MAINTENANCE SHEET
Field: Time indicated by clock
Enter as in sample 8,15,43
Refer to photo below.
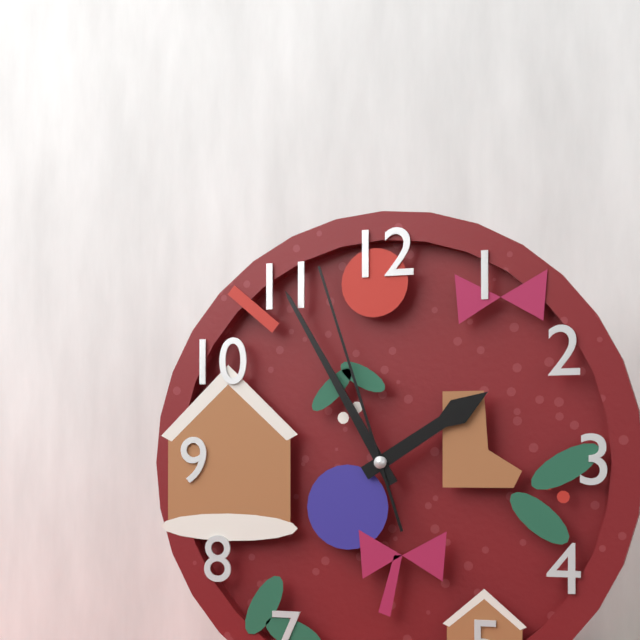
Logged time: 1,55,57
